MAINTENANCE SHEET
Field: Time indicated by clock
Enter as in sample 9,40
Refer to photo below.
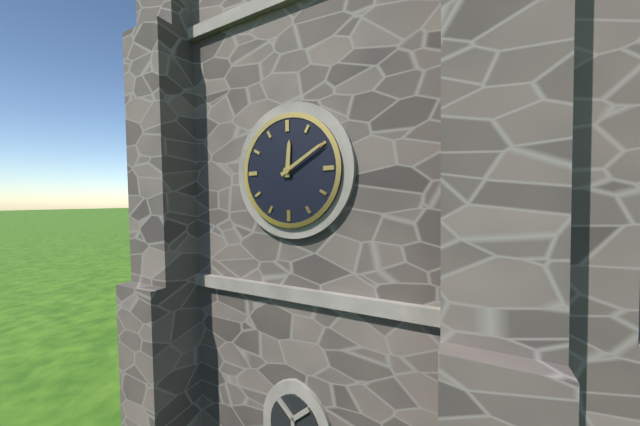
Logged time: 12,10
